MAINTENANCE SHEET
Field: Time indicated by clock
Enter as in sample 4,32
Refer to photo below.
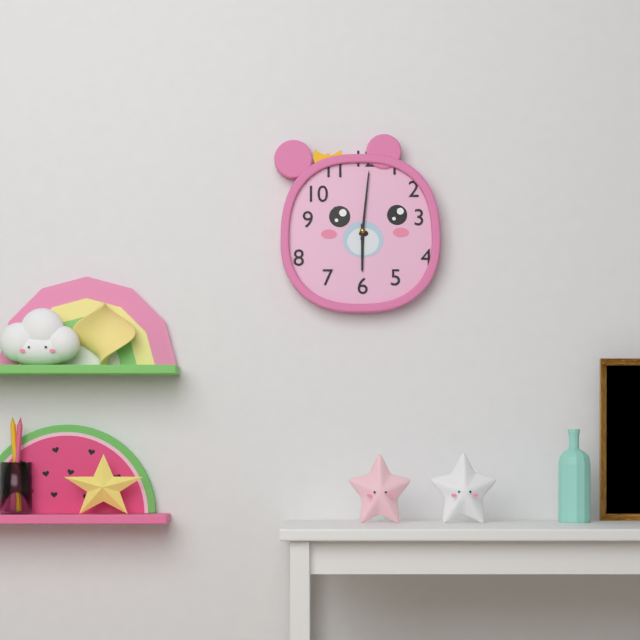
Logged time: 6,01
